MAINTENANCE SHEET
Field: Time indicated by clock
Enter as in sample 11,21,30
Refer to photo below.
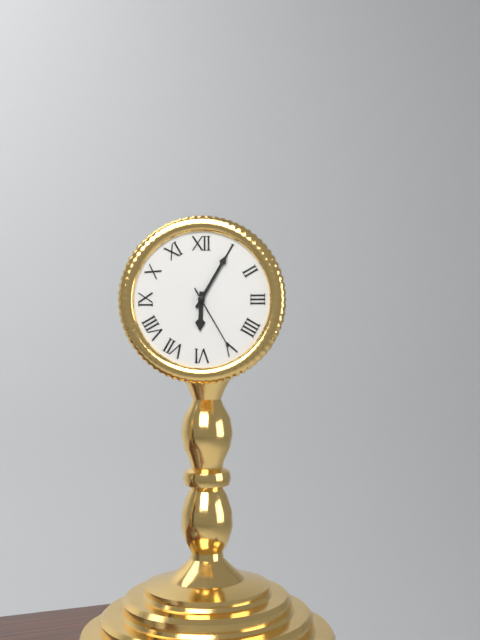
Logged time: 6,05,25
